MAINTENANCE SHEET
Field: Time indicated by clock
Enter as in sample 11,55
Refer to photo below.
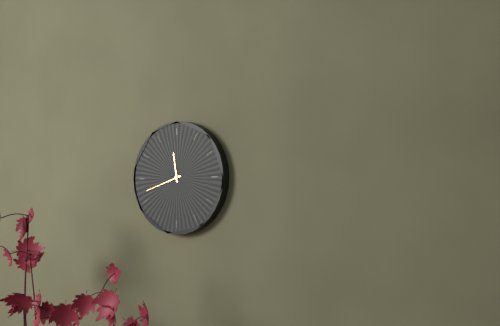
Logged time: 11,42
